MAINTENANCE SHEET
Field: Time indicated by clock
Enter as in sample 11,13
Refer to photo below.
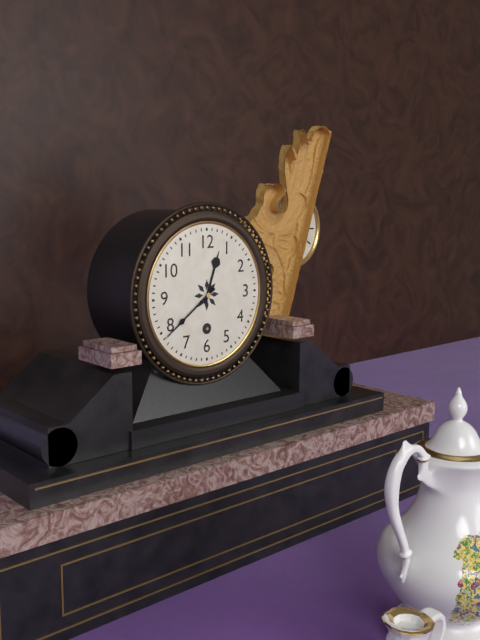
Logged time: 12,39
